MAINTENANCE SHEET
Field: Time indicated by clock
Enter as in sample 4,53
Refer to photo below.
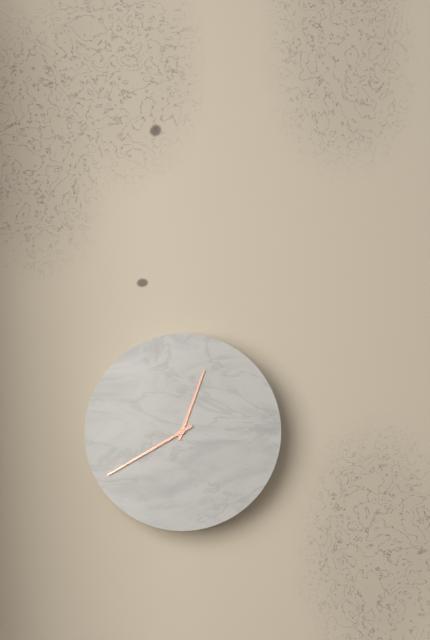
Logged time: 12,40
